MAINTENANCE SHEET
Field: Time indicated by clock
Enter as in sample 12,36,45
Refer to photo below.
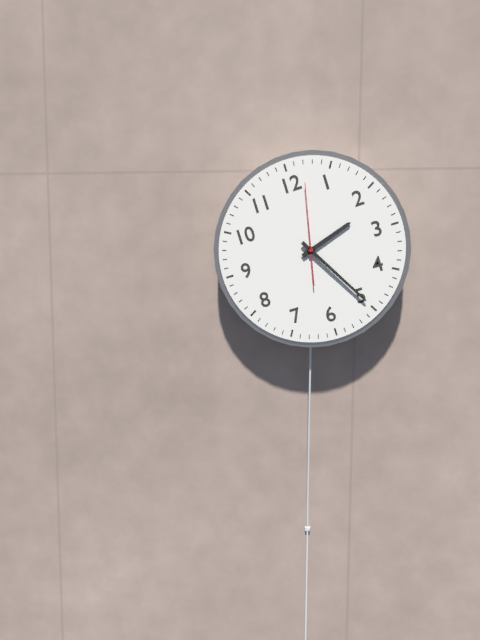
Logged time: 2,25,02
